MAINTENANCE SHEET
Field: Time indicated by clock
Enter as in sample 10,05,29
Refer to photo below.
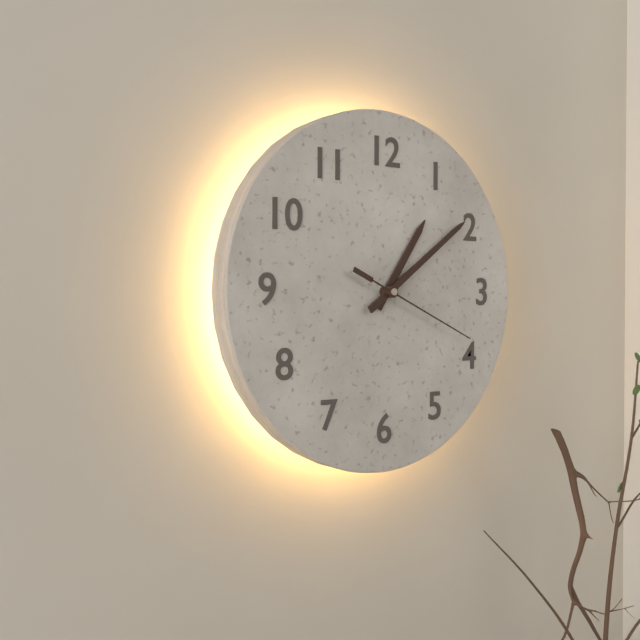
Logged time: 1,09,19
